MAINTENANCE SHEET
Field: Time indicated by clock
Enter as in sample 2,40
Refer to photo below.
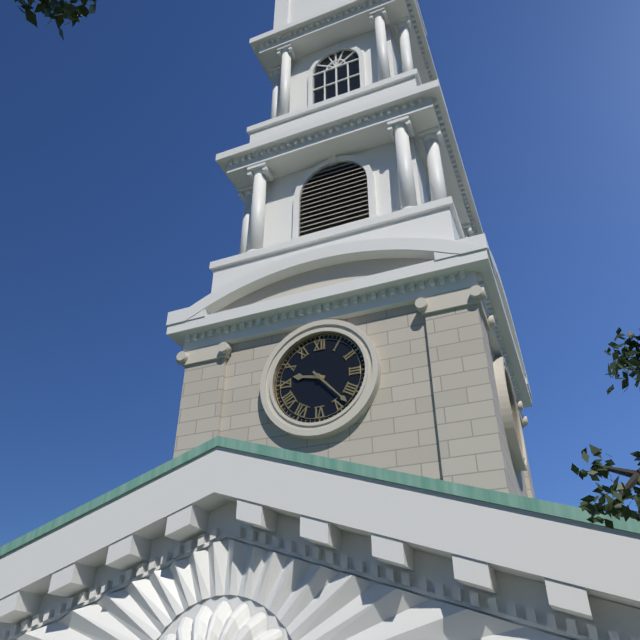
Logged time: 9,23
